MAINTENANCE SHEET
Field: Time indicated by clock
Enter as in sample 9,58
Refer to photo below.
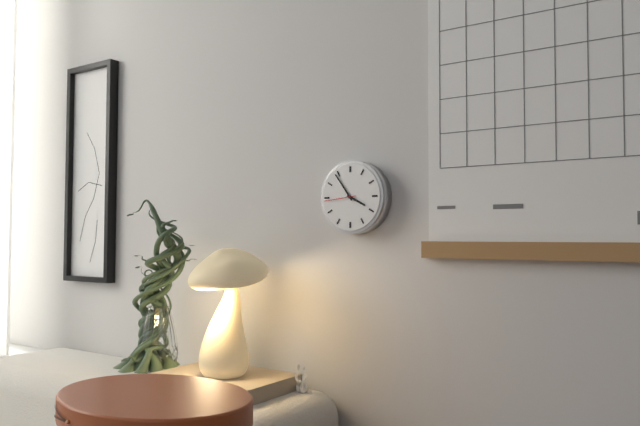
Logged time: 3,54
